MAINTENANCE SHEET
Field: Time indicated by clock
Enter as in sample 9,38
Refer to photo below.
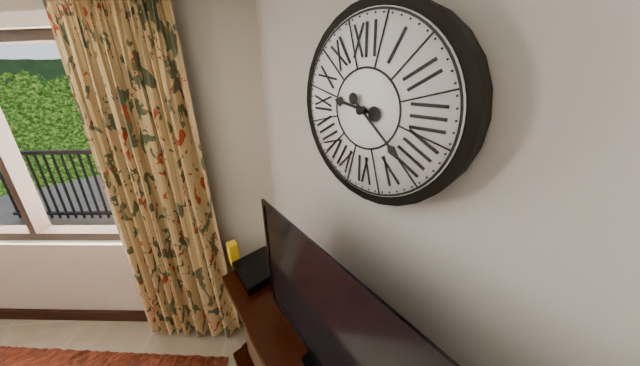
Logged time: 9,22
